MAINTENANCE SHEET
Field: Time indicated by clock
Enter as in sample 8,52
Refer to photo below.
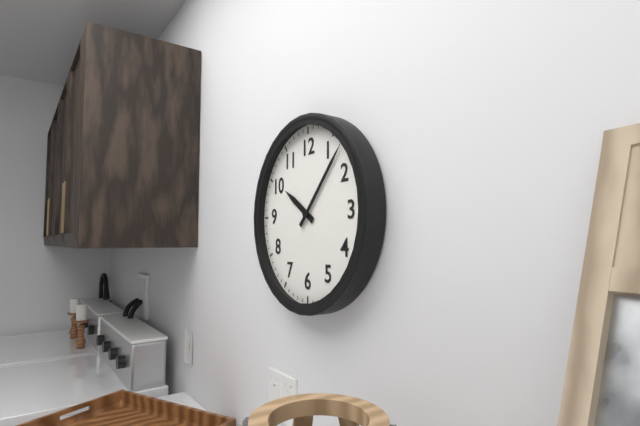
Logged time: 10,07
